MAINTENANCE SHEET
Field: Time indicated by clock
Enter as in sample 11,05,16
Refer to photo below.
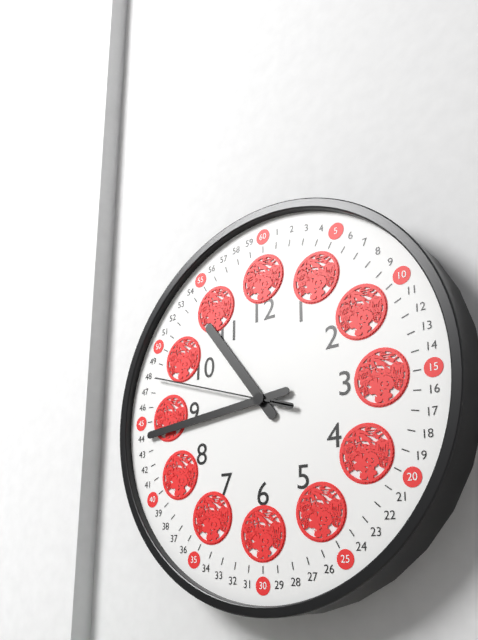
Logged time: 10,44,48
